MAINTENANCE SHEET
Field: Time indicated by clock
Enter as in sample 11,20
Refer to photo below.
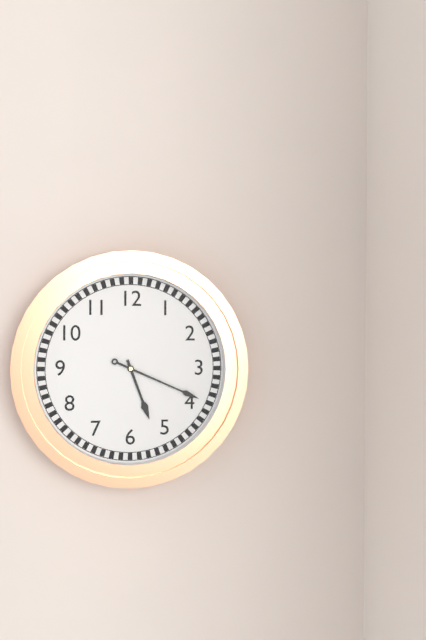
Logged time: 5,19
